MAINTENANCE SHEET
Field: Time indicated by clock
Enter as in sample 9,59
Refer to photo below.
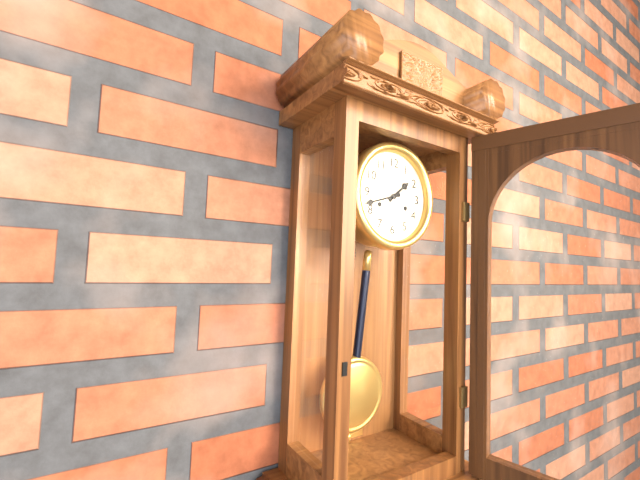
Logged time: 1,42
